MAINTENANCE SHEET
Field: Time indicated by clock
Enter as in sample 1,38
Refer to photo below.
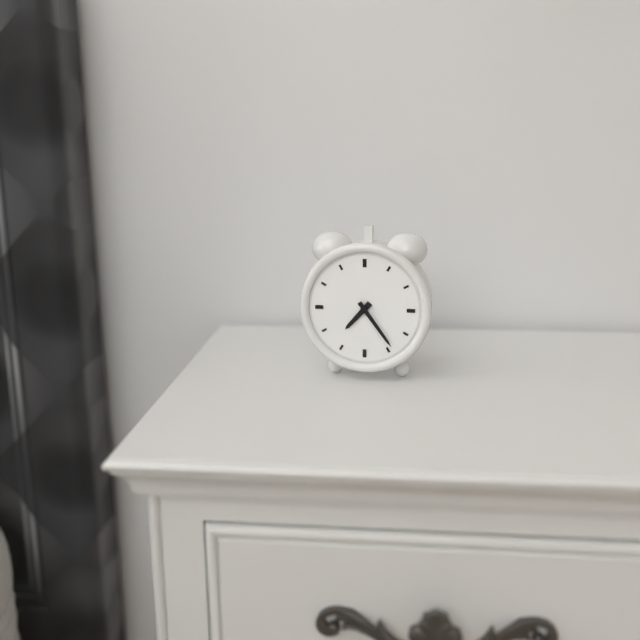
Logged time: 7,24
